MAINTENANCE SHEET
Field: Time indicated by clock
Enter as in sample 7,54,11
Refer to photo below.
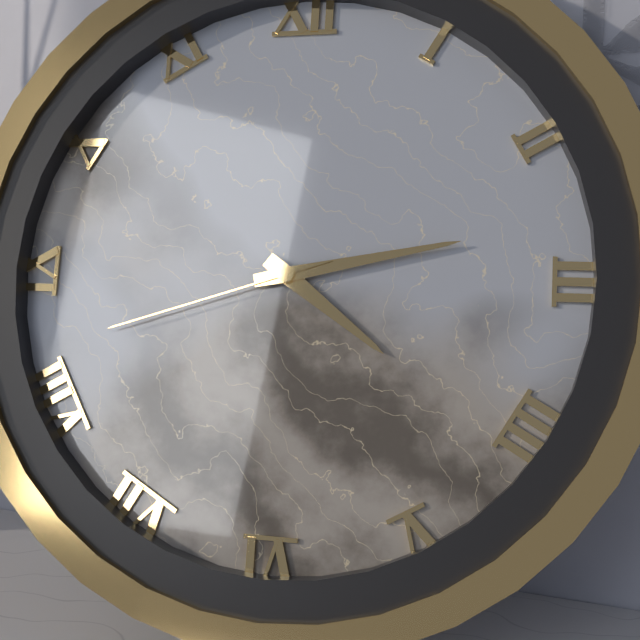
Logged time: 4,13,42
